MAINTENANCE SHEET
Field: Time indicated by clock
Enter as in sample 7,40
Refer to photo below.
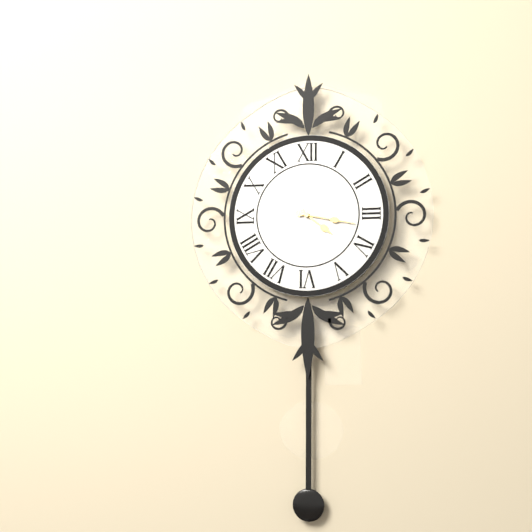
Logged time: 4,17
